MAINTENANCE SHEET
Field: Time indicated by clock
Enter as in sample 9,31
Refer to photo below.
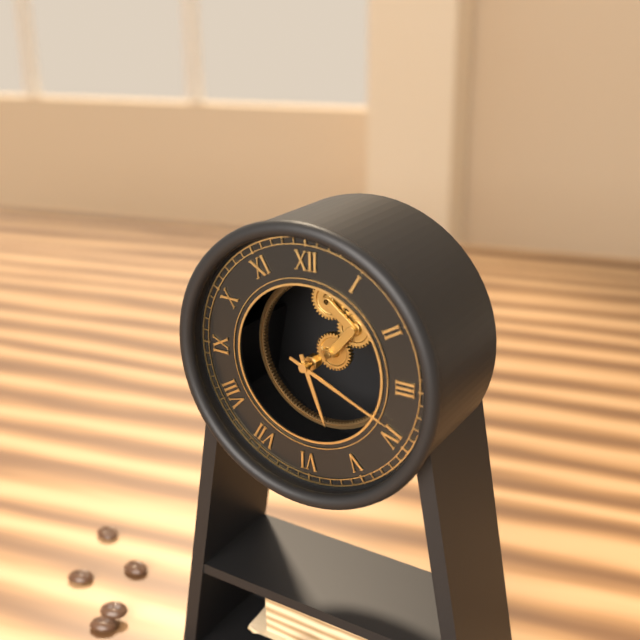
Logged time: 5,19
